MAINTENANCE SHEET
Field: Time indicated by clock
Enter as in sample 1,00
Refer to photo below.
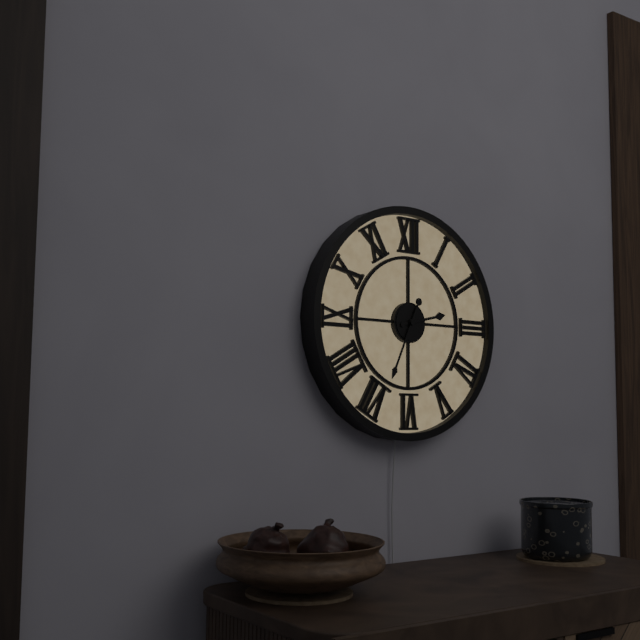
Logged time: 2,34
